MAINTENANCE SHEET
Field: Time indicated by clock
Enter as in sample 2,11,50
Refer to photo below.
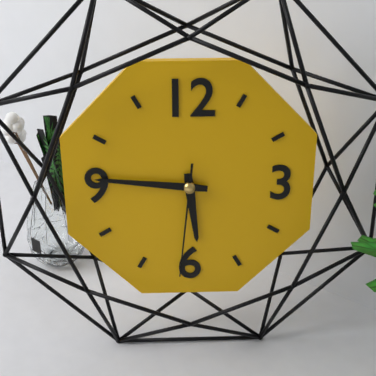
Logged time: 5,46,31
